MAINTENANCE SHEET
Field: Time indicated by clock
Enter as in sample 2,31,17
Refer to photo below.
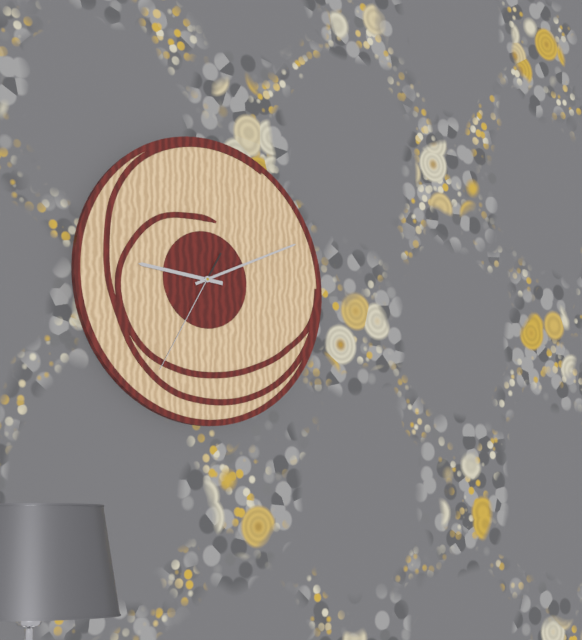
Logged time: 9,11,35
